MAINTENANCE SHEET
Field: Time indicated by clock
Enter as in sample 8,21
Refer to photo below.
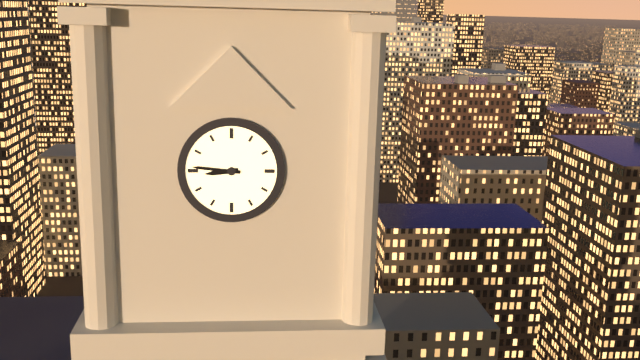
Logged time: 8,46
